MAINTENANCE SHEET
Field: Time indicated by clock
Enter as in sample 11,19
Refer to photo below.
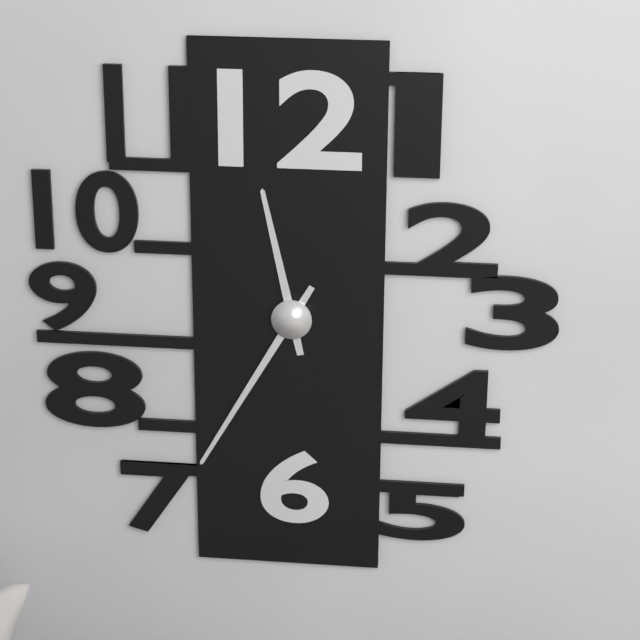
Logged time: 11,35
